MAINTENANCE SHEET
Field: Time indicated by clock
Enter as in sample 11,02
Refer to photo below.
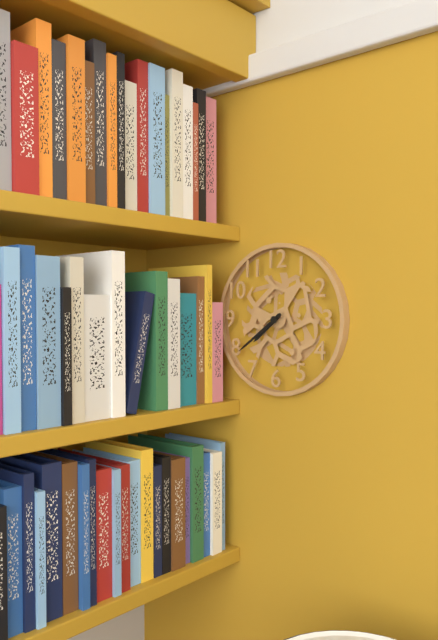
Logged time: 7,39
